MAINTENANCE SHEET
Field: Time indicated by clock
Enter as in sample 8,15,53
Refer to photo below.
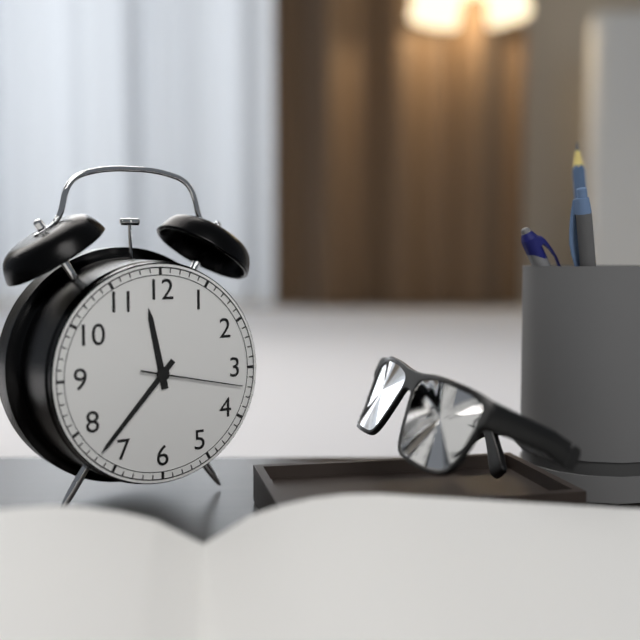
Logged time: 11,37,17
